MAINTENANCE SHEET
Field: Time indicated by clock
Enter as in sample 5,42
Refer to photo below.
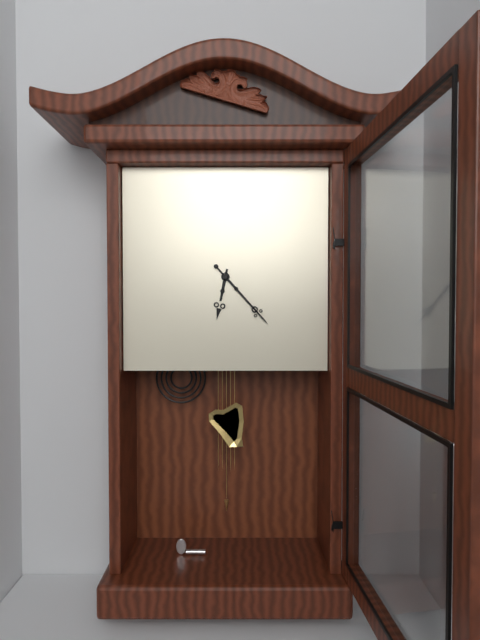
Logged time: 6,23
